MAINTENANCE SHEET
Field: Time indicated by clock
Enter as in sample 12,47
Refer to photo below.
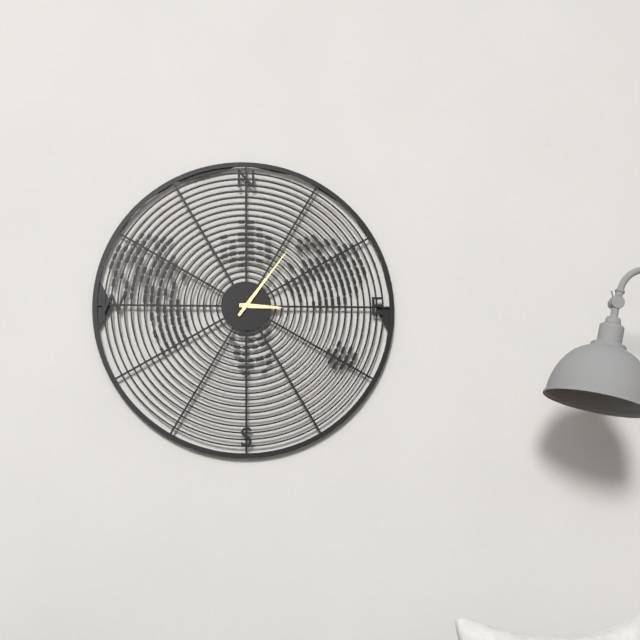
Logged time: 3,06
